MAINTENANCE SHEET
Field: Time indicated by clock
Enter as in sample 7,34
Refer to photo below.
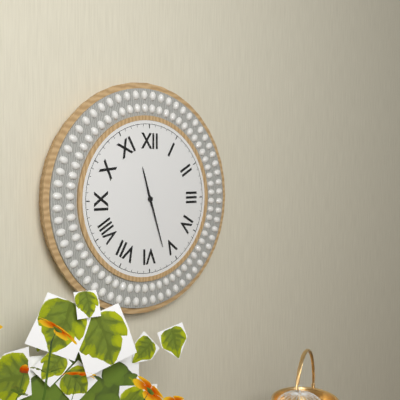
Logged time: 11,27
